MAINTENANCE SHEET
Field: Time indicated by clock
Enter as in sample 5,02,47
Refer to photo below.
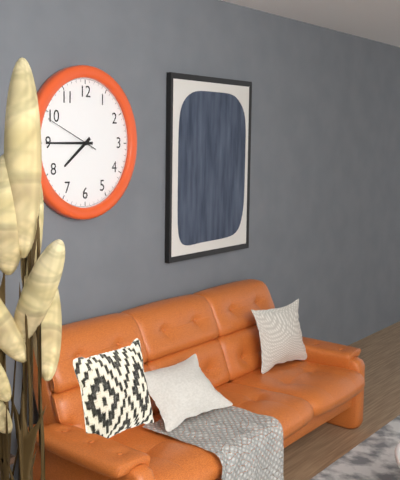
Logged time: 7,45,49
